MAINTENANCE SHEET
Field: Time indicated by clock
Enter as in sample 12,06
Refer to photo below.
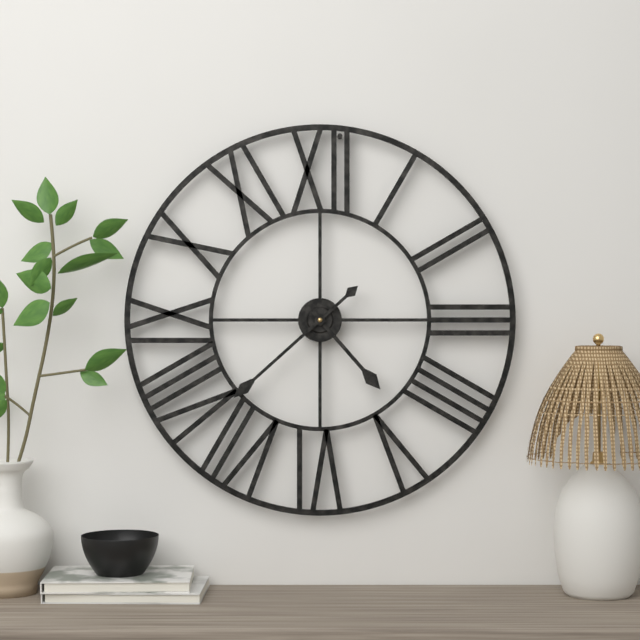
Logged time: 4,38
